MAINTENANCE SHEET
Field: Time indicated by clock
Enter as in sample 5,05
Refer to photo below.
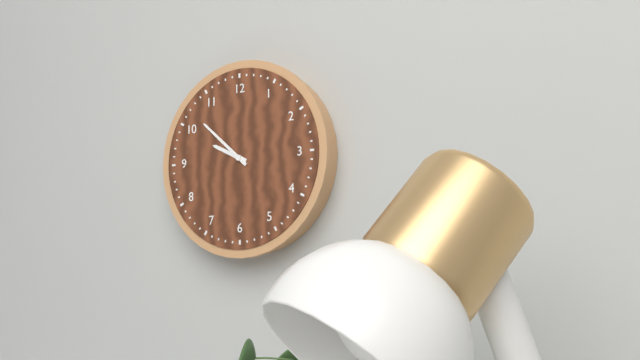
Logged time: 9,52
